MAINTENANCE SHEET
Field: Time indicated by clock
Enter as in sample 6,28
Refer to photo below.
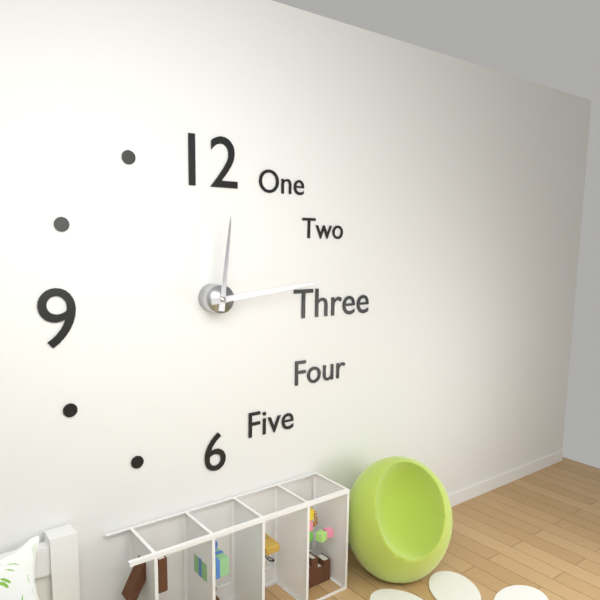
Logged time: 12,14
